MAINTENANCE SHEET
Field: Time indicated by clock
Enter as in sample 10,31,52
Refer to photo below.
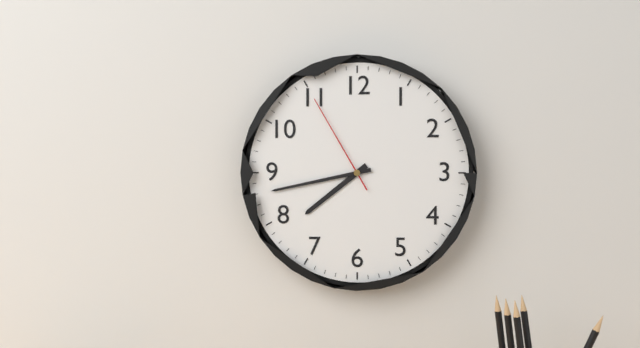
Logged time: 7,43,55
